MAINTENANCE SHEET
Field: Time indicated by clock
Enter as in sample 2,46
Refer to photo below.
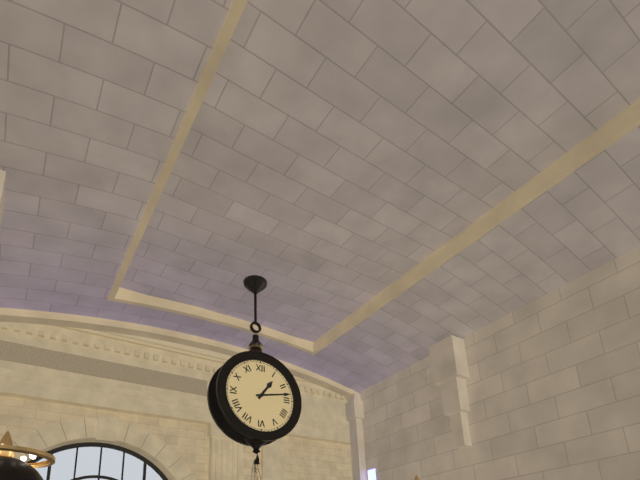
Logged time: 1,13
